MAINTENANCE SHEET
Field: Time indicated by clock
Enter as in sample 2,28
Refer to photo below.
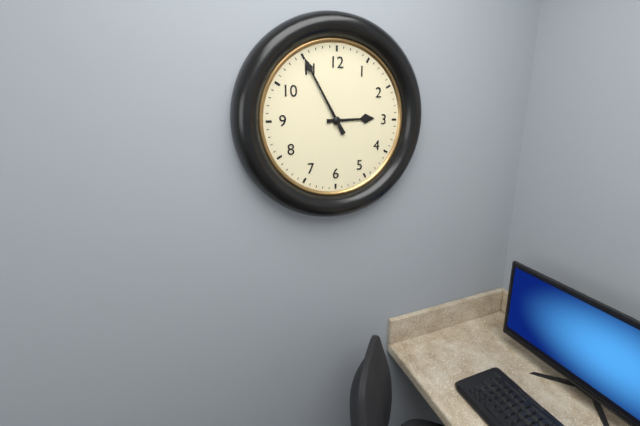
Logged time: 2,55
